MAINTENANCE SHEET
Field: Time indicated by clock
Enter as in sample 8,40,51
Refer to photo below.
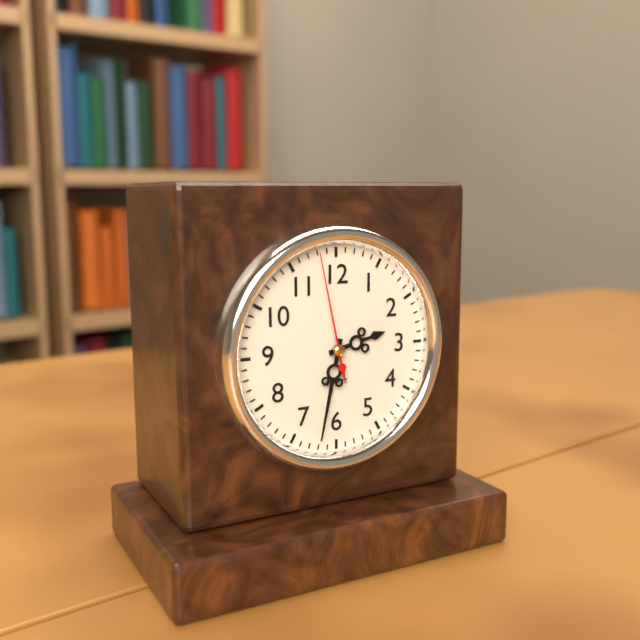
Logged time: 2,32,58
